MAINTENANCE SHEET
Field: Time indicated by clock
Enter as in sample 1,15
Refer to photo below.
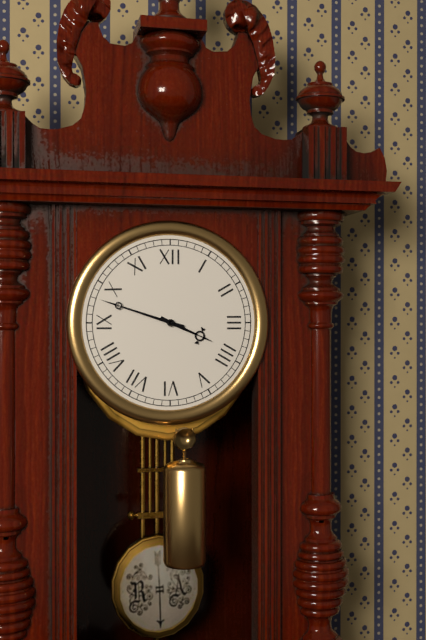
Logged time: 3,48
